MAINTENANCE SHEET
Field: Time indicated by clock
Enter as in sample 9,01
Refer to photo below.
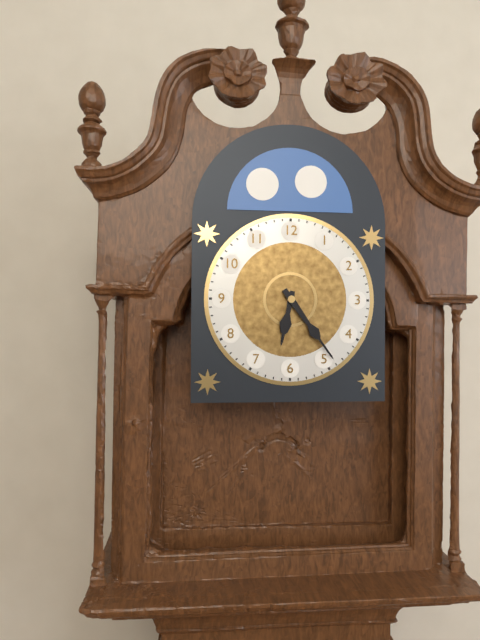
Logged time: 6,24
